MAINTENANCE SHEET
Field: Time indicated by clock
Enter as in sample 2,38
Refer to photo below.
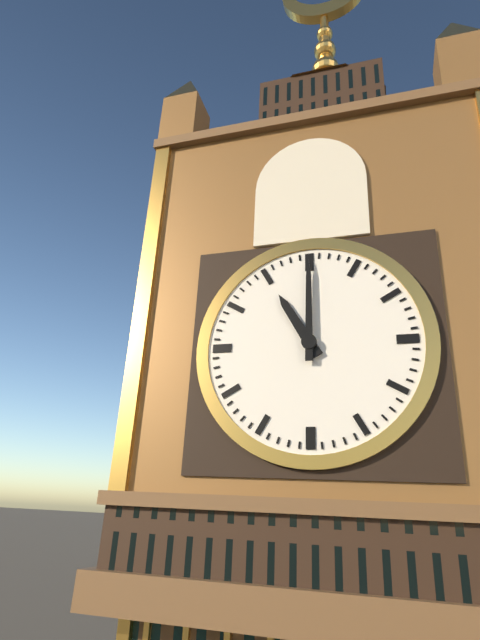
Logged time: 11,00
